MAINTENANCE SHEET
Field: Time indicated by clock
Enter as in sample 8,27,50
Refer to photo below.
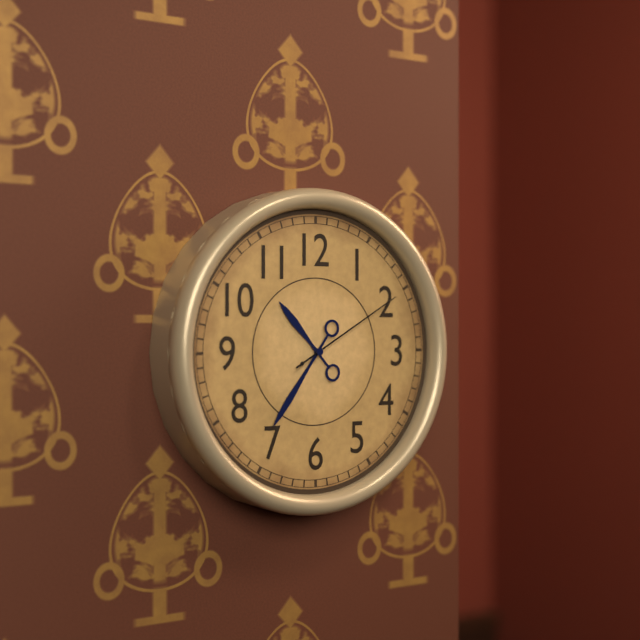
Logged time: 10,36,10
